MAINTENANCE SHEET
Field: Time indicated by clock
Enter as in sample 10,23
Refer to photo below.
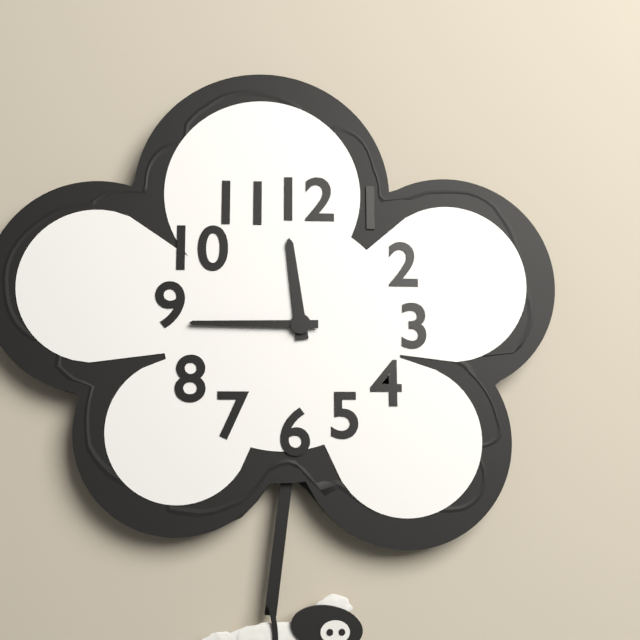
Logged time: 11,45
